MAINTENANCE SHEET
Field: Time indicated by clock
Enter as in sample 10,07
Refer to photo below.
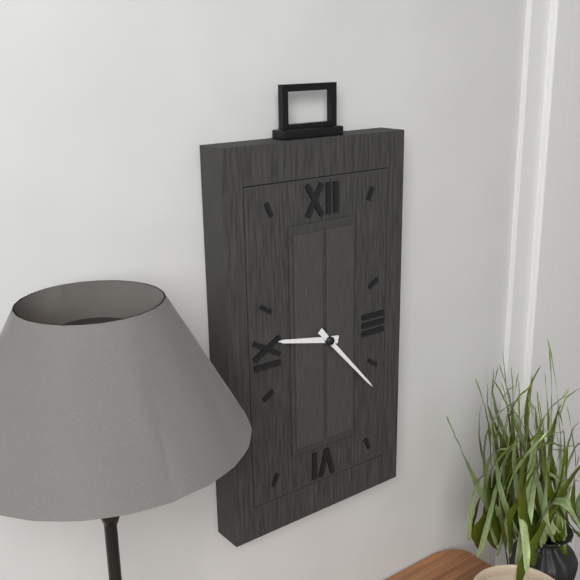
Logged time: 9,23
